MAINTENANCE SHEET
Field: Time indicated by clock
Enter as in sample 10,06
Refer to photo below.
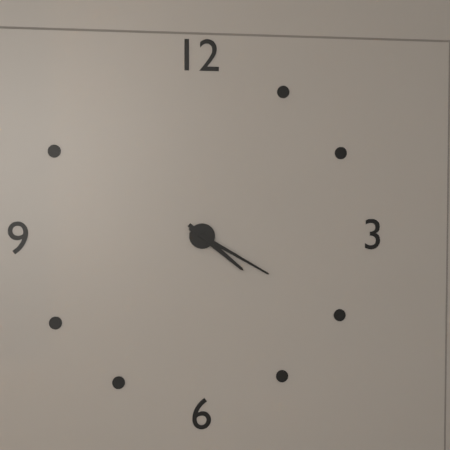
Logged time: 4,20
